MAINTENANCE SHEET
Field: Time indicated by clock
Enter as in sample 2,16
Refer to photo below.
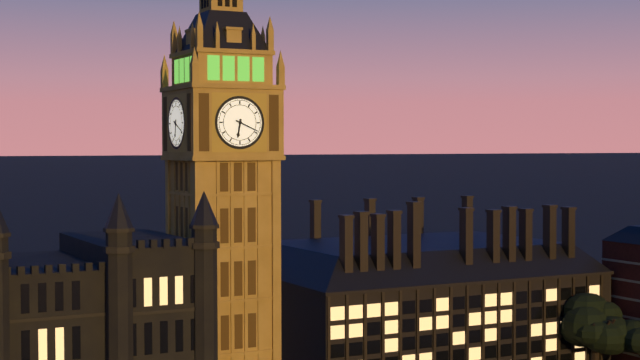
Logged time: 6,19
